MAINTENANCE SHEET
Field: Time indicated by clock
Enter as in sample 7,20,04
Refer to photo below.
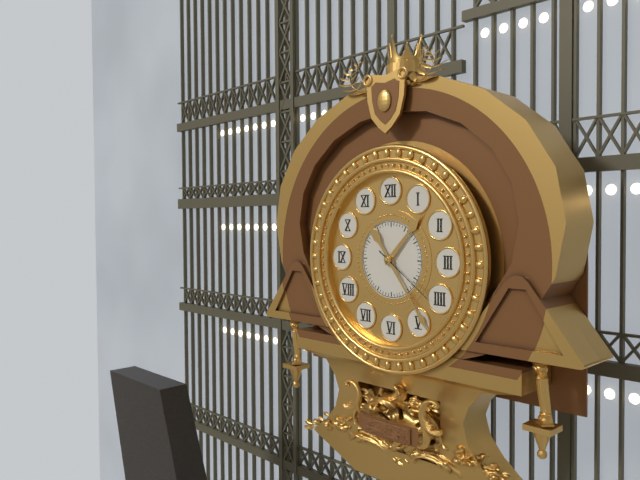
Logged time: 1,24,21
